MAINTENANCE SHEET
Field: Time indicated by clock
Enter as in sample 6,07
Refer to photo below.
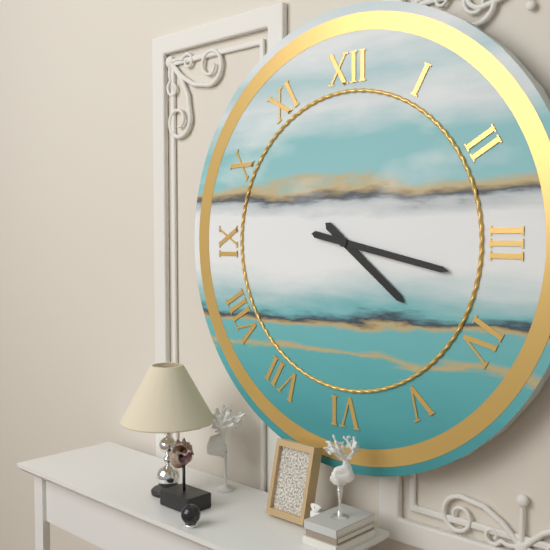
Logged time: 4,17
